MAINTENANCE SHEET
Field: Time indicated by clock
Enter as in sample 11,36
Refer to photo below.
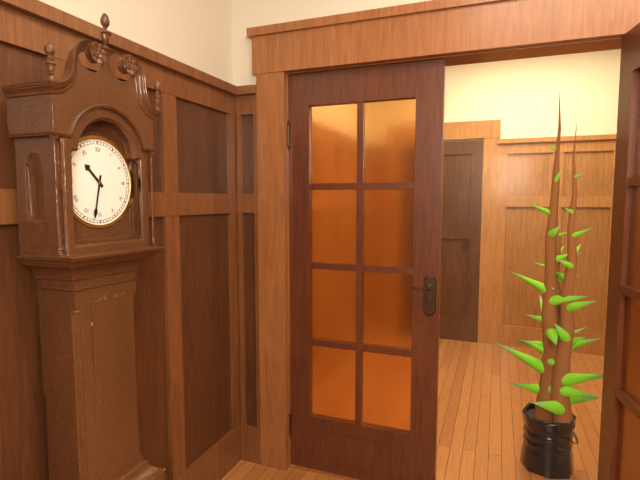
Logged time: 10,32
